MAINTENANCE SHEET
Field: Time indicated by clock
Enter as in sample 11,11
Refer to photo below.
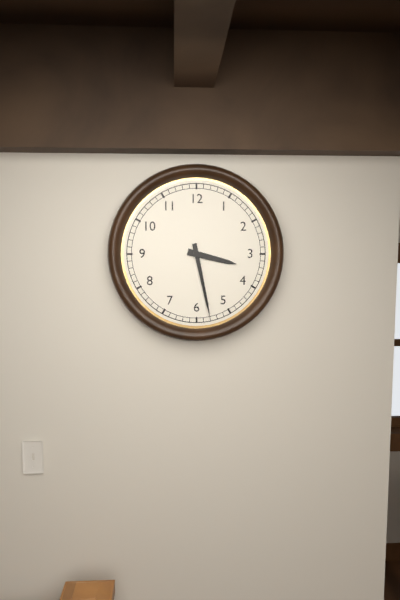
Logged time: 3,28
